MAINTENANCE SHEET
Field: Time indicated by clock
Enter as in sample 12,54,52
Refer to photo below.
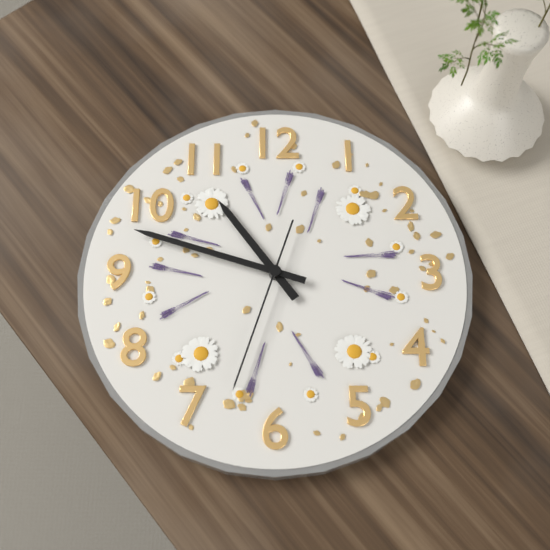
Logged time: 10,48,33
